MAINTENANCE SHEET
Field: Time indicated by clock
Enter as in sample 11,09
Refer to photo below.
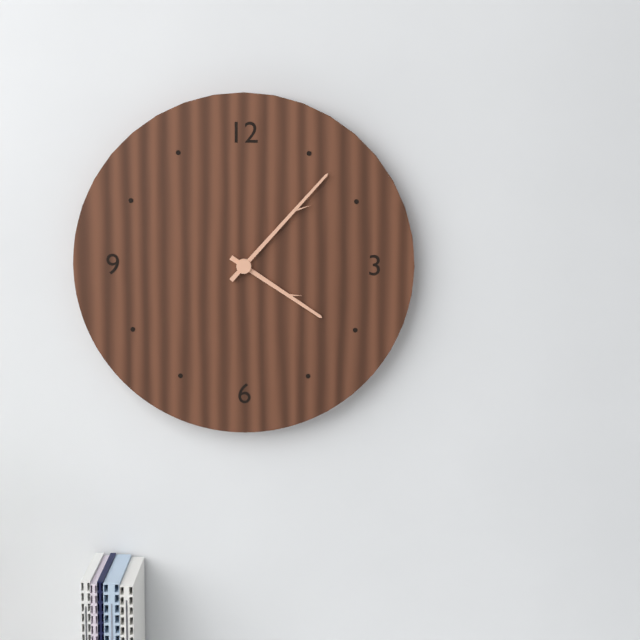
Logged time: 4,07
